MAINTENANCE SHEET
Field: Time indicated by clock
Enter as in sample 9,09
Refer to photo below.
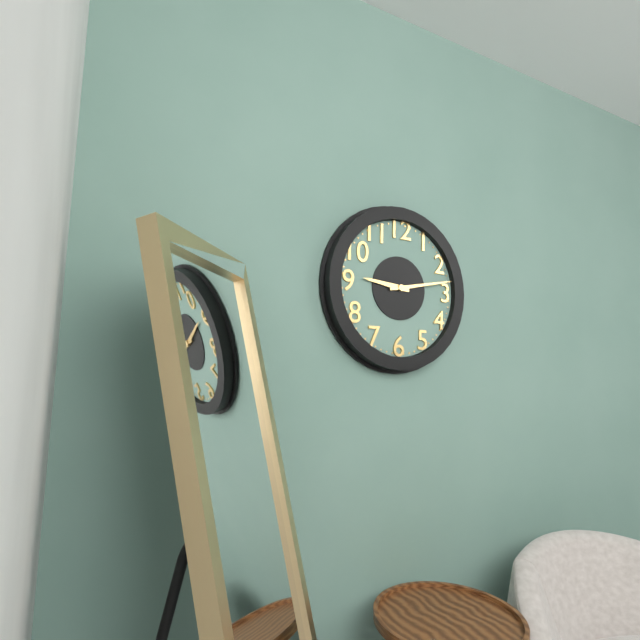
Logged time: 9,13
